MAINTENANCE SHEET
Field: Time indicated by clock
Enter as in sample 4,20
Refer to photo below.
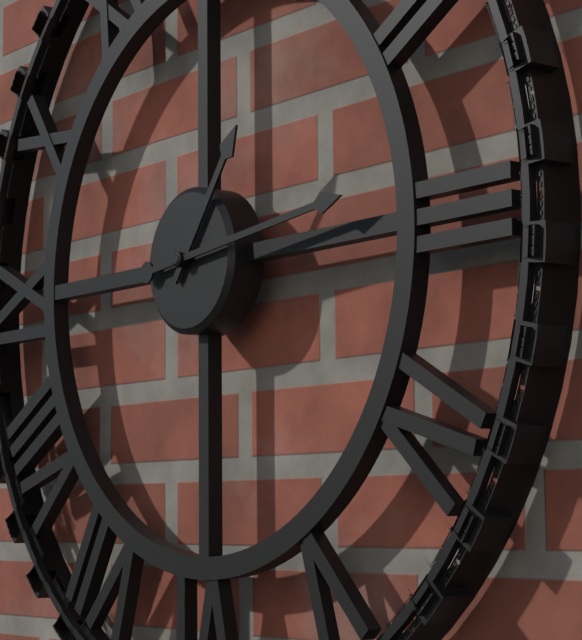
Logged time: 1,14
